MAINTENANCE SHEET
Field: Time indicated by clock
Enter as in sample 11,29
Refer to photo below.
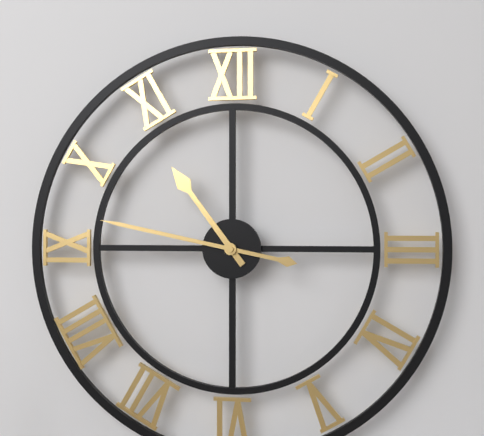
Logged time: 10,47
